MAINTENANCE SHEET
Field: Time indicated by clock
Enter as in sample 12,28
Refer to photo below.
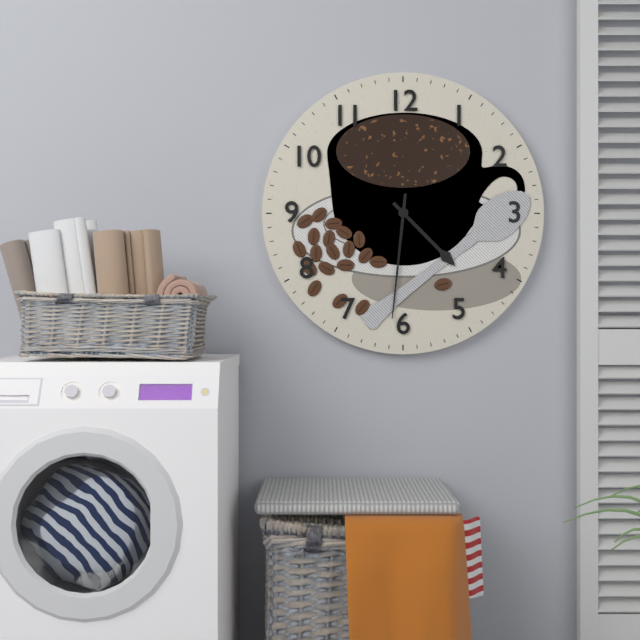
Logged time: 4,31
